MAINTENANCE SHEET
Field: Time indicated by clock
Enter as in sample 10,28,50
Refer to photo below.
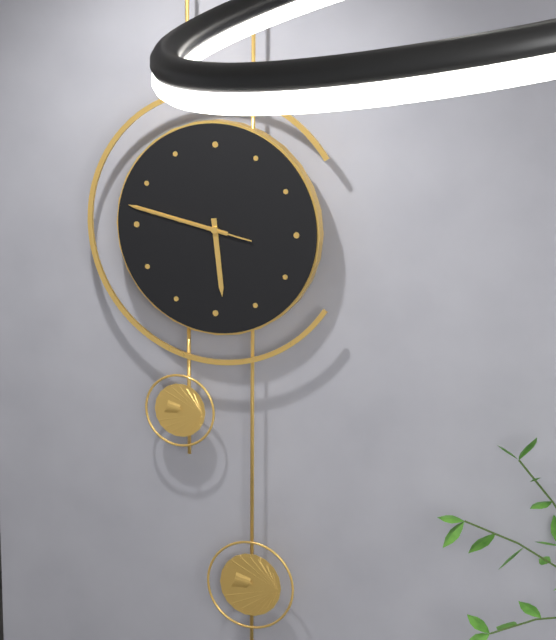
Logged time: 5,47,47
